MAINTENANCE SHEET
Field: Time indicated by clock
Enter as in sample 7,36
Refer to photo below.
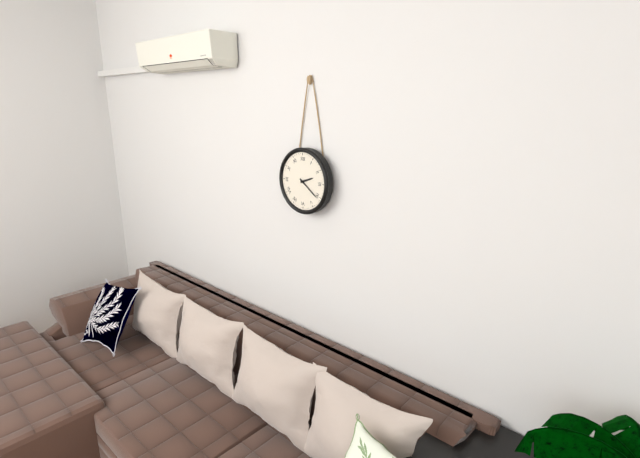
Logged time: 2,21
